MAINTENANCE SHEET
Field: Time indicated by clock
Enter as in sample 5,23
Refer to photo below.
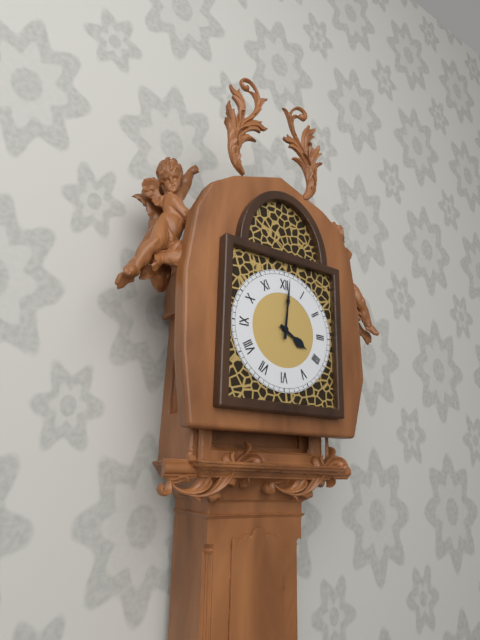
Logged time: 4,01
